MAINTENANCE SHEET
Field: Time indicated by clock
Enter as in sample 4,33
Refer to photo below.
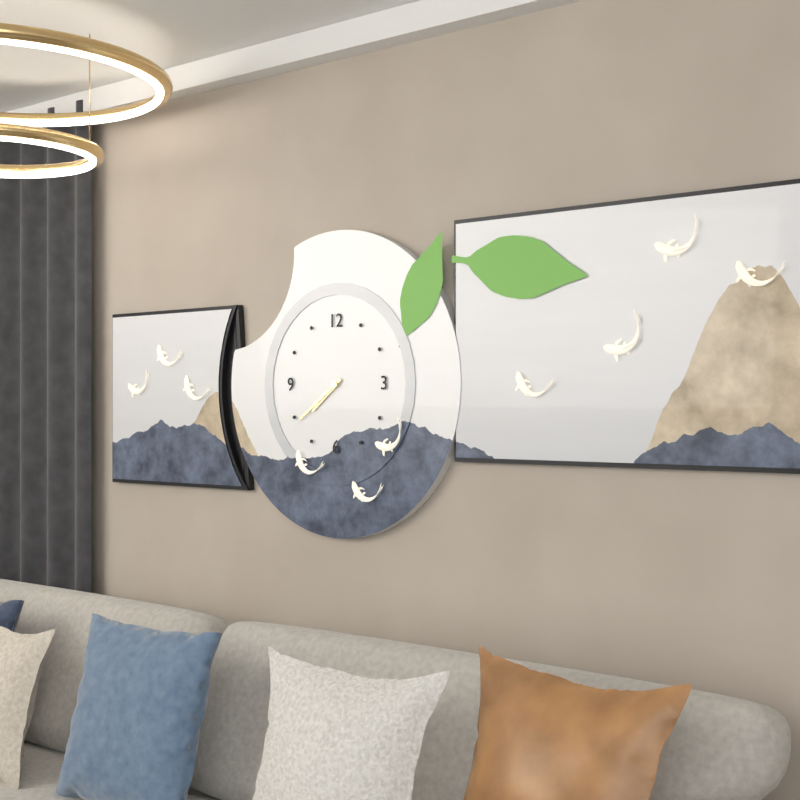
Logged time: 7,39
